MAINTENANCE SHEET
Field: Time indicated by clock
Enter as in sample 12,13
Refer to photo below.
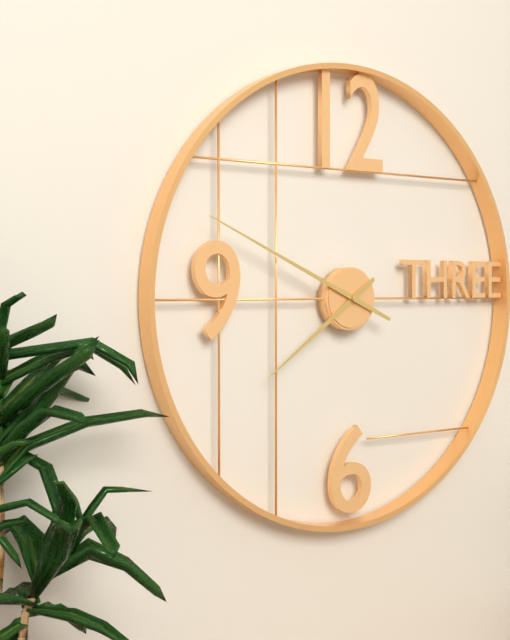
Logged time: 7,49
